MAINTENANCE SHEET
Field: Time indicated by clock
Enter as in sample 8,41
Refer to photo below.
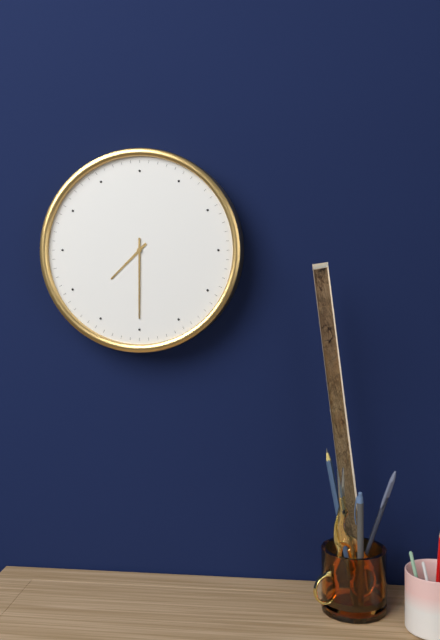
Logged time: 7,30
